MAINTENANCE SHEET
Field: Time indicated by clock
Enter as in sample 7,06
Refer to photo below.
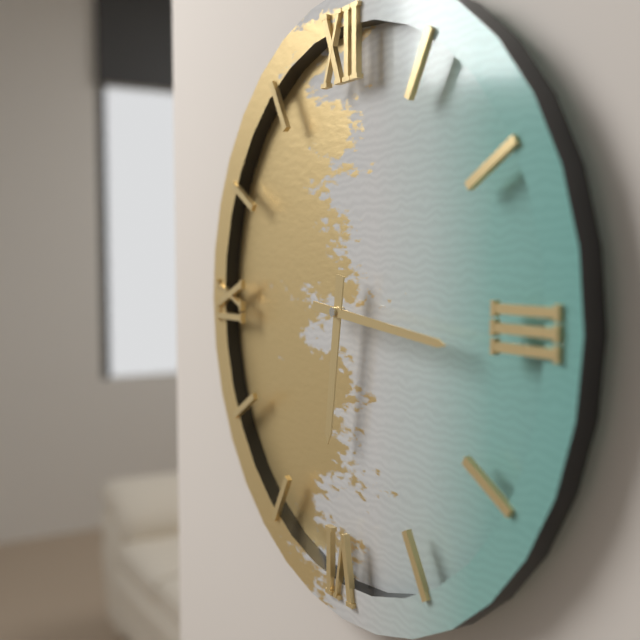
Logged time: 6,16
